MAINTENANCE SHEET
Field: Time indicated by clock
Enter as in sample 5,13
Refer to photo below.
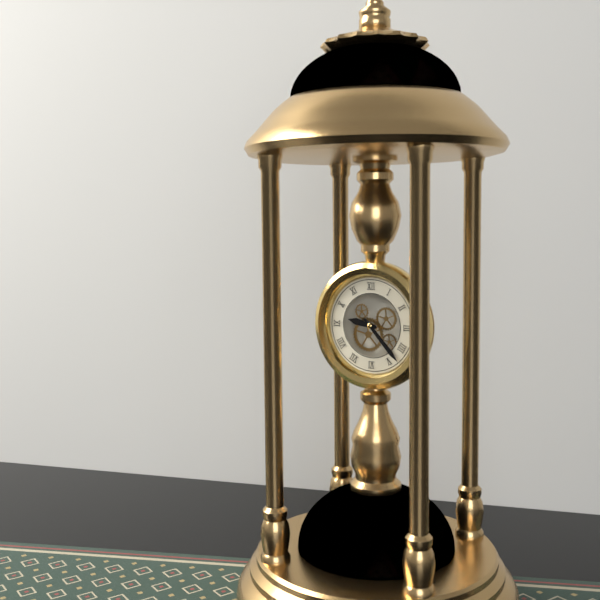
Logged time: 9,23
